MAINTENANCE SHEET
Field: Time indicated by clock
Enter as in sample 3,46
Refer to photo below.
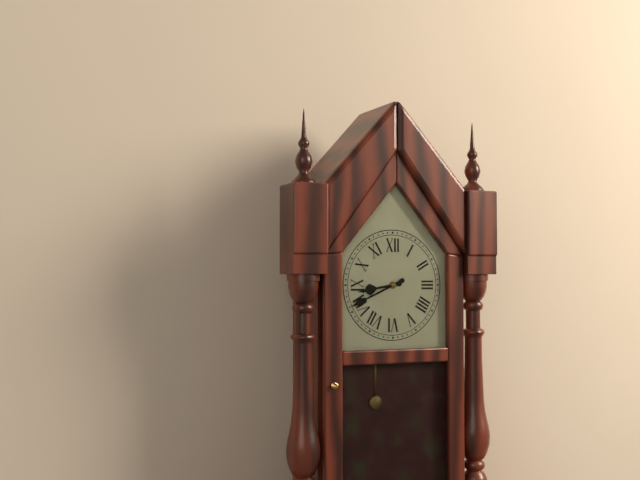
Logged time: 8,41
